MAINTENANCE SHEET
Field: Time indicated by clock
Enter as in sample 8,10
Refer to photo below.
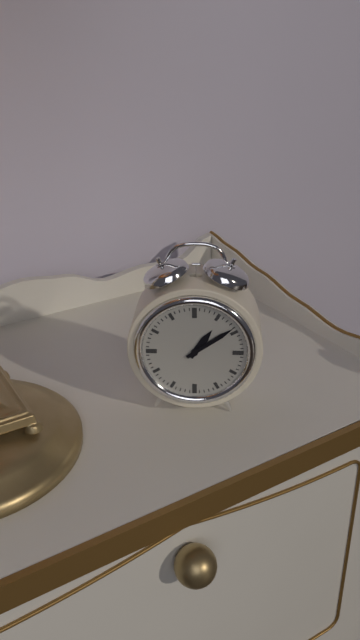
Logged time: 1,09
